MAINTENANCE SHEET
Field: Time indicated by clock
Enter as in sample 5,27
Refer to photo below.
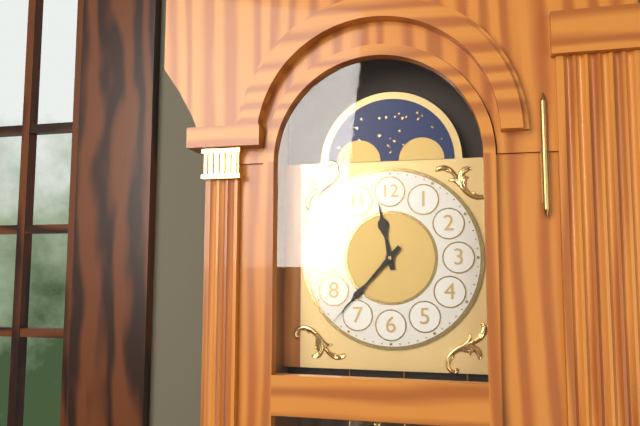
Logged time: 11,37
